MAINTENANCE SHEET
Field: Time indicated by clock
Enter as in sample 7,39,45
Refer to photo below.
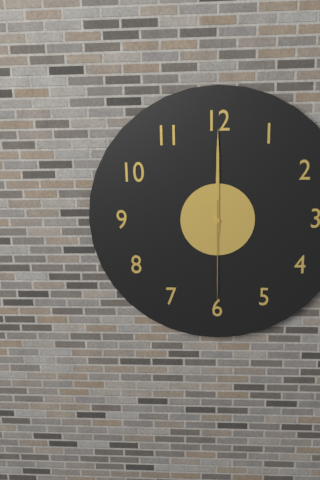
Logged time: 12,00,30
